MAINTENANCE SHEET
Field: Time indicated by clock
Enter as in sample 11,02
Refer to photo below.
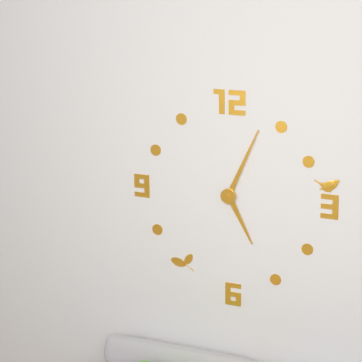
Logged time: 5,04
